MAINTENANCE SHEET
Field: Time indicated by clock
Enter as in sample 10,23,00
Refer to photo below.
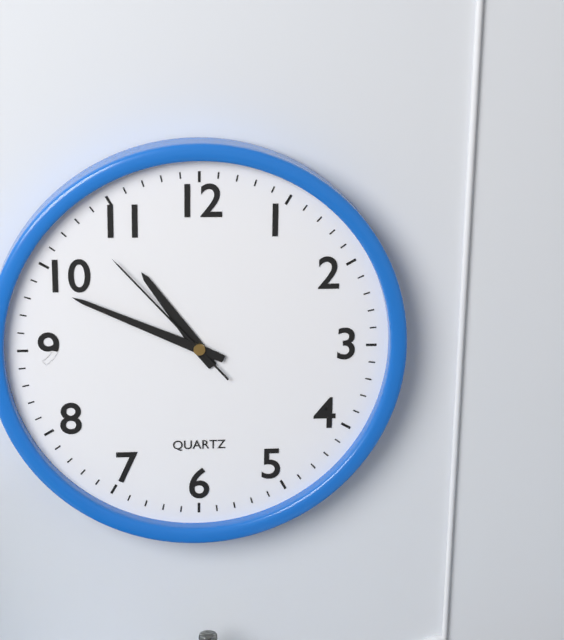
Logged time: 10,49,53
